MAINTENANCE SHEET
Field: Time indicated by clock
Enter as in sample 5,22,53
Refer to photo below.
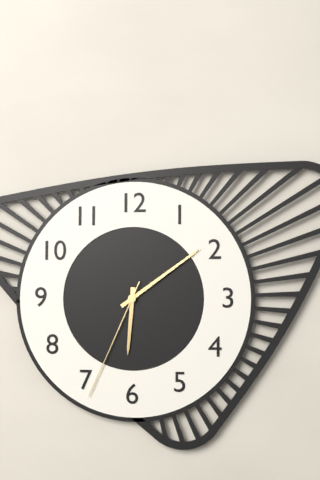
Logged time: 6,09,34
